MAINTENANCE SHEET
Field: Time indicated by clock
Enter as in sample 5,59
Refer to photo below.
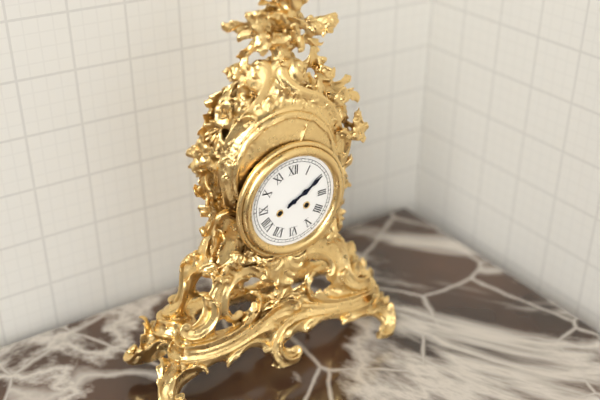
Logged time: 2,10
